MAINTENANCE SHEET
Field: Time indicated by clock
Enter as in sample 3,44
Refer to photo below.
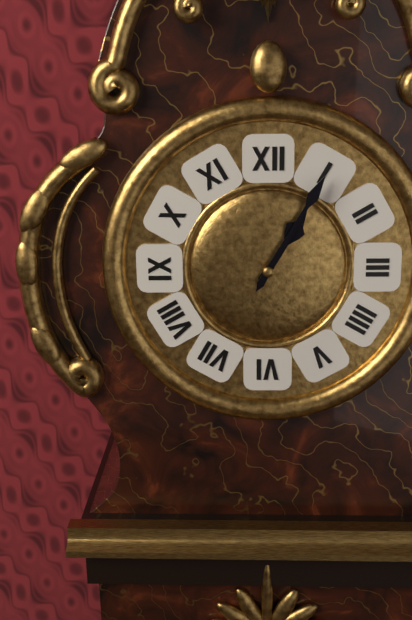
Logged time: 1,05
